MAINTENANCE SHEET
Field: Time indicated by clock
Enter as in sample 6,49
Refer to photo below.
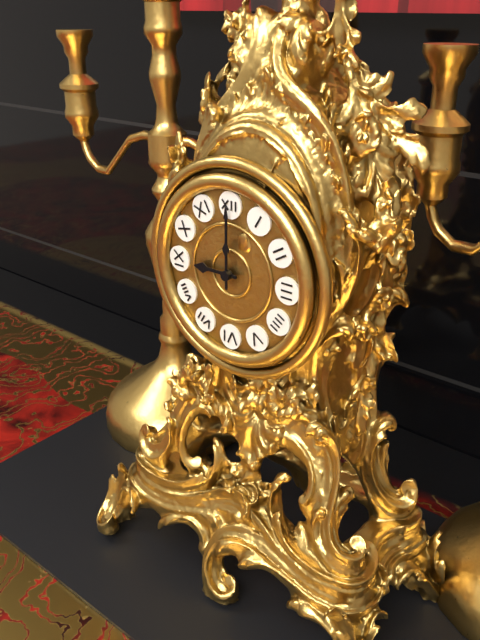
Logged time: 9,00
